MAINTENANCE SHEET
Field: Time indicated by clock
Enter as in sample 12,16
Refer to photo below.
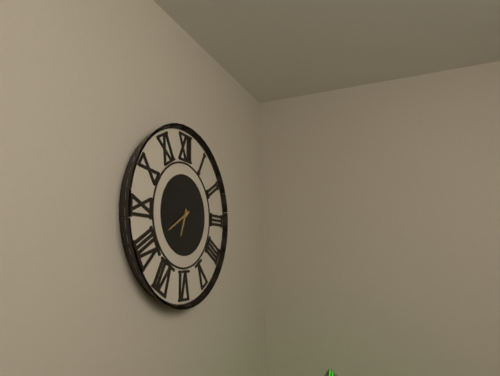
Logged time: 6,40
